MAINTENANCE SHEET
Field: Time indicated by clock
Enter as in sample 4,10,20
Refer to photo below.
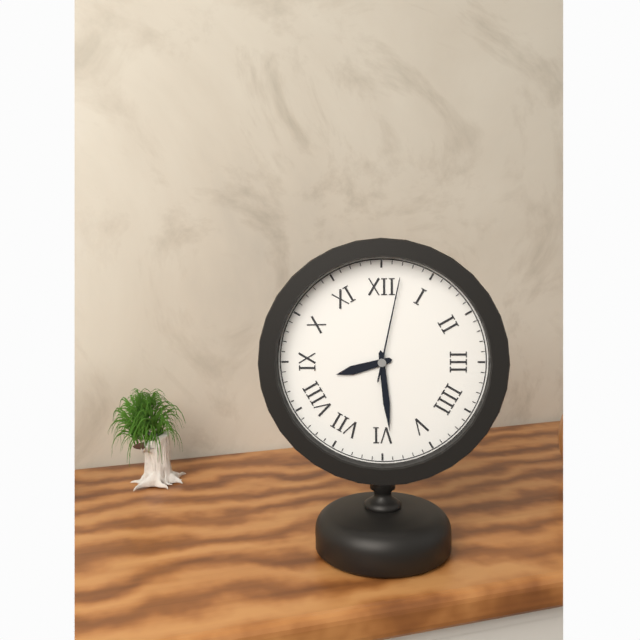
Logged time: 8,29,02
